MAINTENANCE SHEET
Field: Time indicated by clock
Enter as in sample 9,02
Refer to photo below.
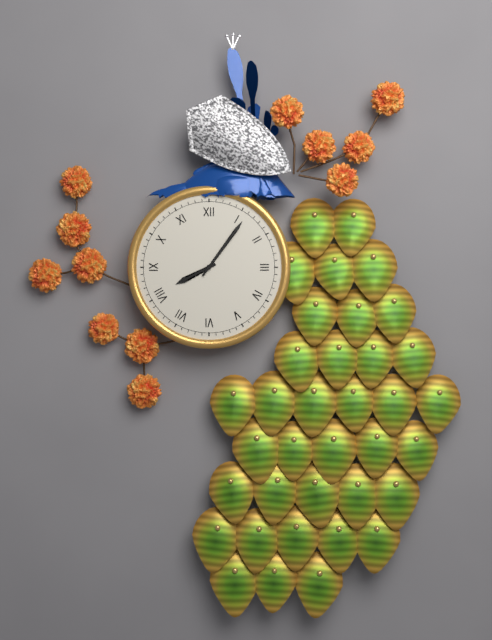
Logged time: 8,06
